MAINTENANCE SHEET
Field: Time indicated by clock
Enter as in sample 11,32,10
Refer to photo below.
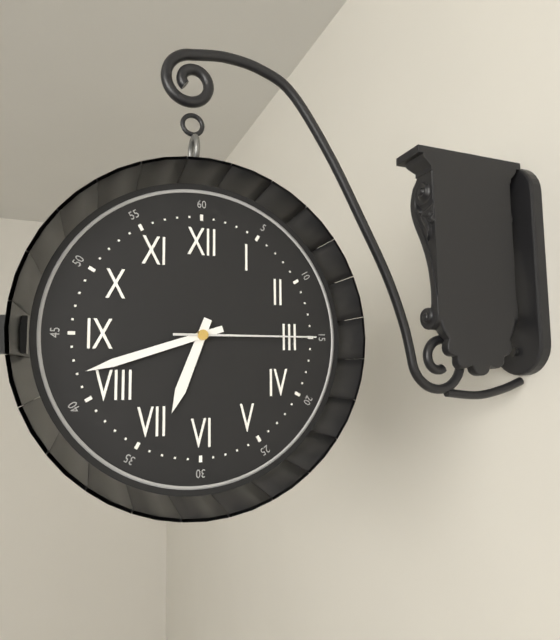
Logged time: 6,42,15
